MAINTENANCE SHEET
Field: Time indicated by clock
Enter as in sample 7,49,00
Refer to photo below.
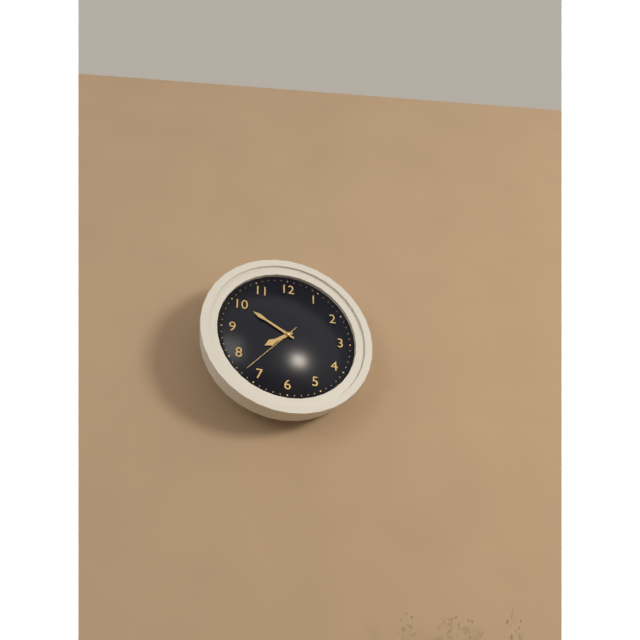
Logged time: 7,50,37
